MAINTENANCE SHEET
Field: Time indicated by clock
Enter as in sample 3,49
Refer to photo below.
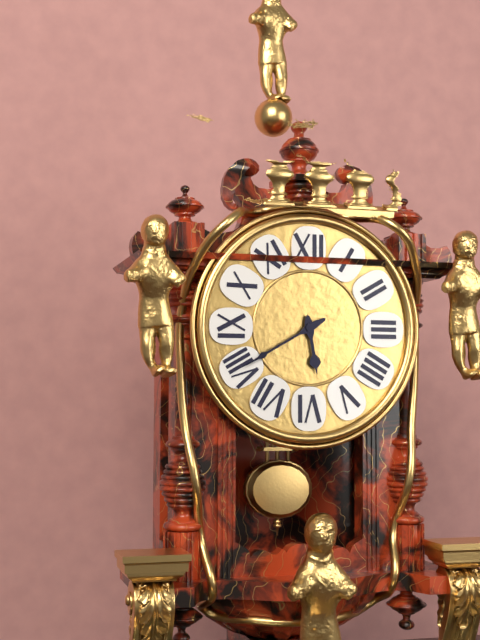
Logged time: 5,40
